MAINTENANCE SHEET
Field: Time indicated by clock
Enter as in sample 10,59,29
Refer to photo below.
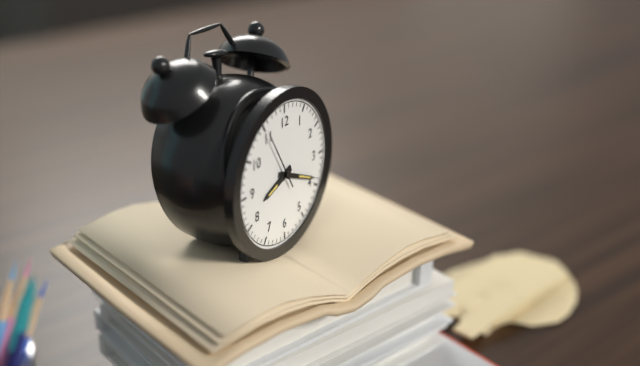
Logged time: 8,19,55
